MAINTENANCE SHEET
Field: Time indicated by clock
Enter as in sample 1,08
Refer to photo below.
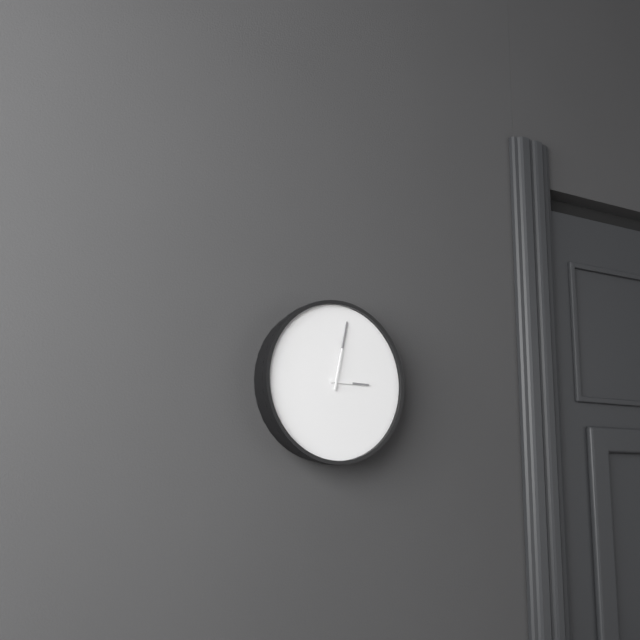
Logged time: 3,02
